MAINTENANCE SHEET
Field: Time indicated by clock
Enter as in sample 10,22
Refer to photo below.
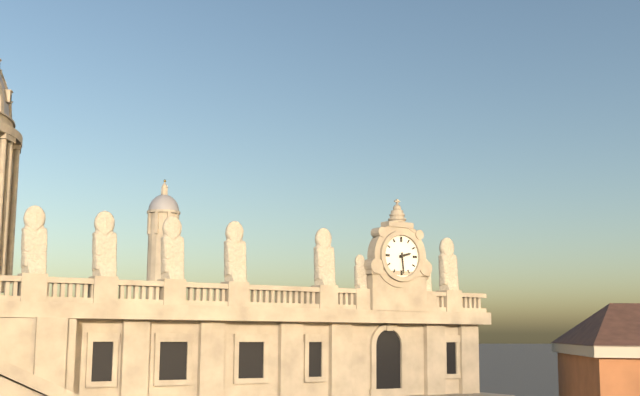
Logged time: 2,29
